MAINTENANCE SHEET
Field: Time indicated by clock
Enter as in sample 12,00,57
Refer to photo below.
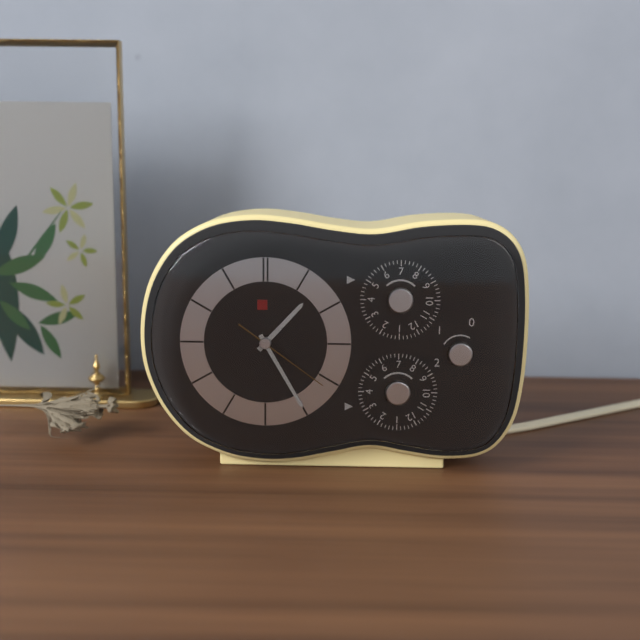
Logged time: 1,25,21
